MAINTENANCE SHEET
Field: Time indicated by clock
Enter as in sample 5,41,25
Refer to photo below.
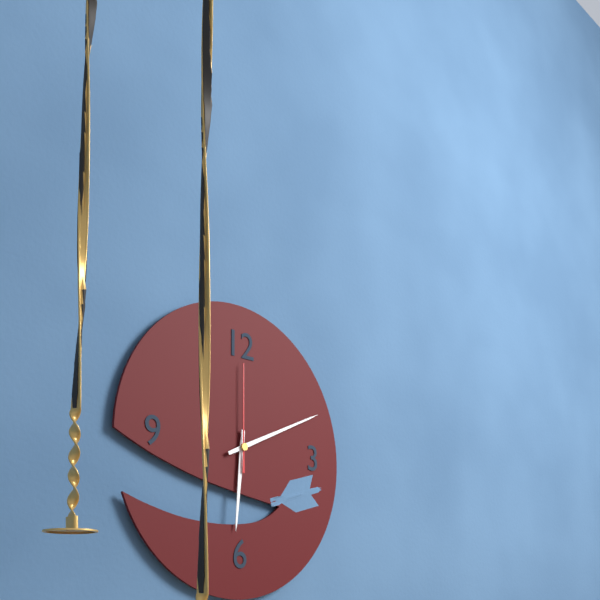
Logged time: 6,11,00
